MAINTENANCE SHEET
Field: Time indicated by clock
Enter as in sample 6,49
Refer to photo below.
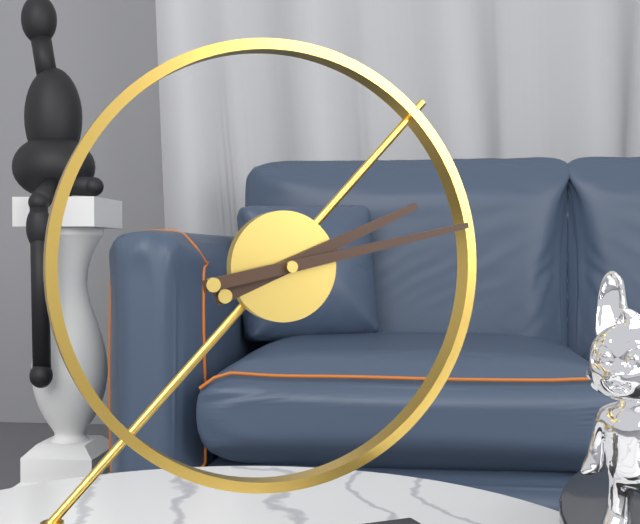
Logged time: 2,13
